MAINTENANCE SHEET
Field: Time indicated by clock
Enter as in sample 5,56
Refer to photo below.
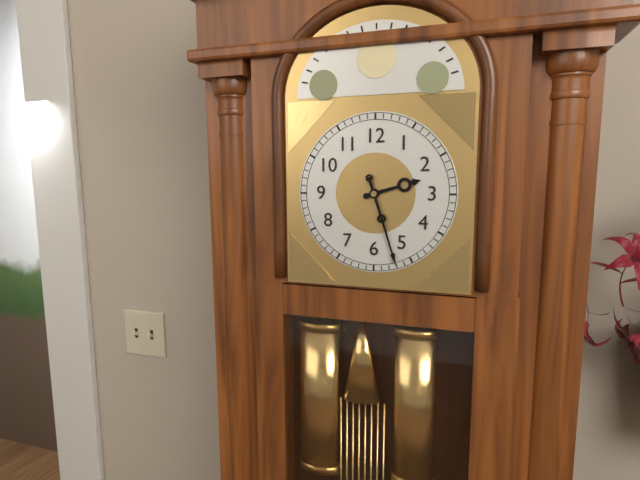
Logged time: 2,27
